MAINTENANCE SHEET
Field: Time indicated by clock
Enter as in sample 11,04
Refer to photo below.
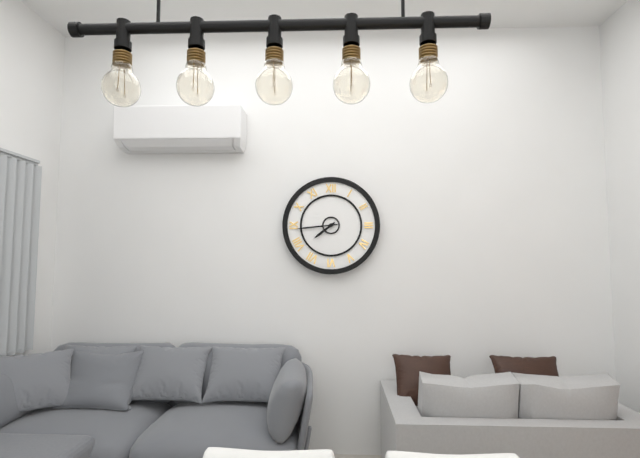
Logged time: 7,44
